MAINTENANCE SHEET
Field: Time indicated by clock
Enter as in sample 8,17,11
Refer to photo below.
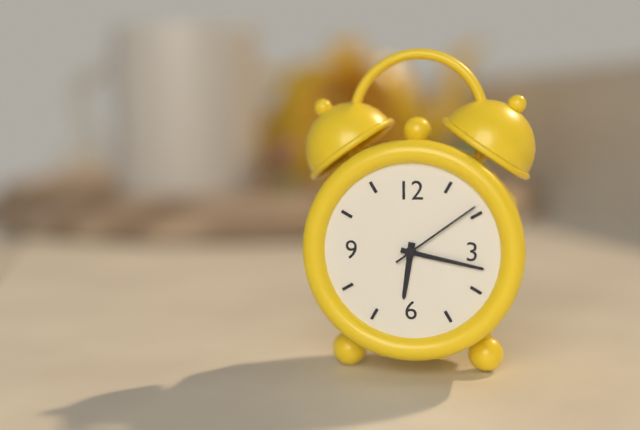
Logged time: 6,17,09
